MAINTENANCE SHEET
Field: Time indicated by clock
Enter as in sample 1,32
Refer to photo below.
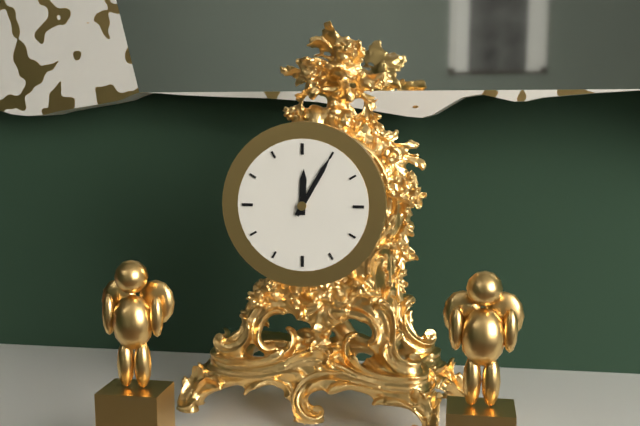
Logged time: 12,05
